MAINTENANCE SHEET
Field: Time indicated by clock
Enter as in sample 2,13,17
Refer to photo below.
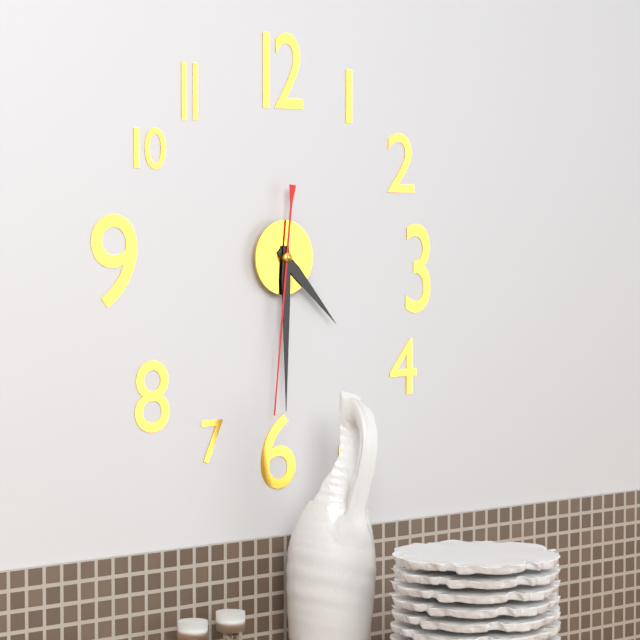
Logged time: 4,30,31
